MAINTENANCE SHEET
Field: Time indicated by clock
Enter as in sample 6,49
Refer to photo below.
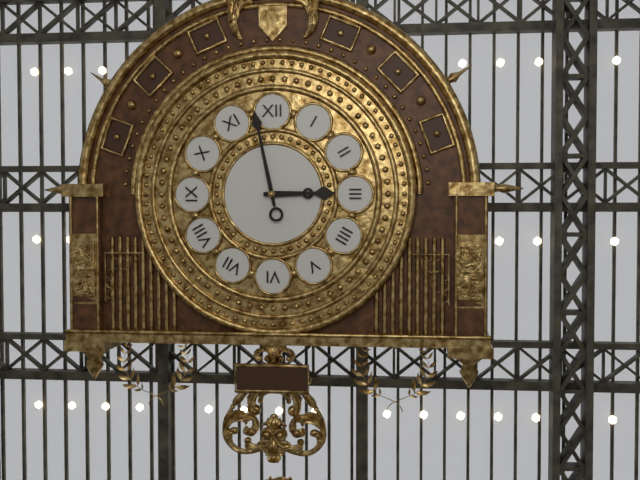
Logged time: 2,58
